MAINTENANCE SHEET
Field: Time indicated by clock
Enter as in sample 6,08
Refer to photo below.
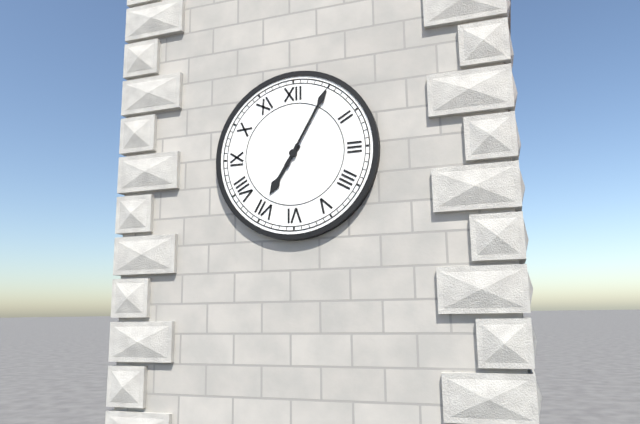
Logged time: 7,05
